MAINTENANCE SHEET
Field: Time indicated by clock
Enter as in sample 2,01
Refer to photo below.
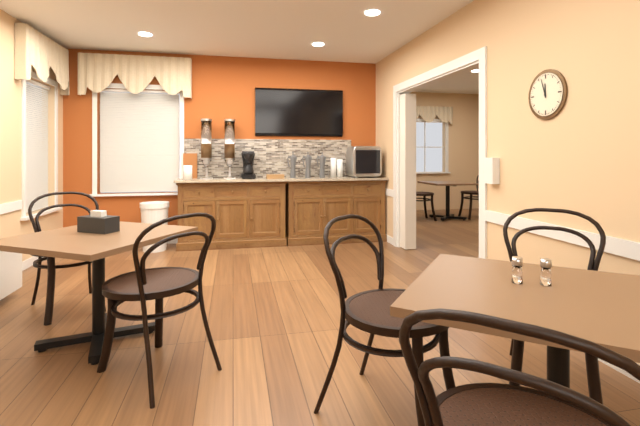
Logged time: 11,57
